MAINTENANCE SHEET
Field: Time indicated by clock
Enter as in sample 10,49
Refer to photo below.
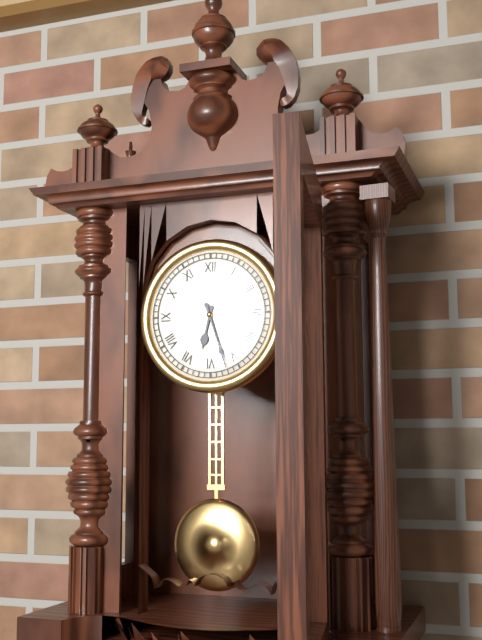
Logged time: 6,27
